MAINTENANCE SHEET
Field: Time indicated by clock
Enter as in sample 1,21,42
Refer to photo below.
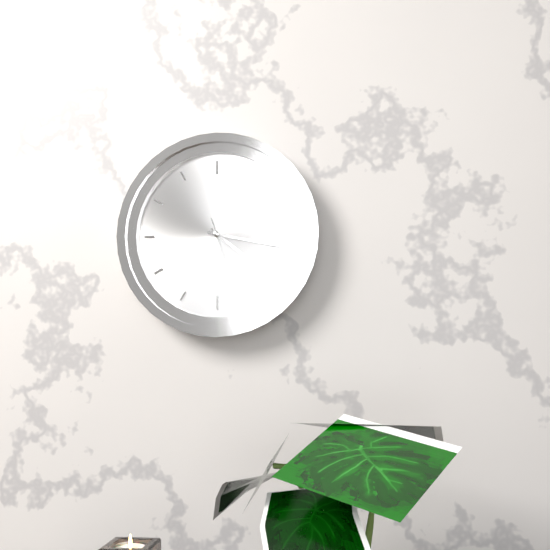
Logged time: 4,17,27
